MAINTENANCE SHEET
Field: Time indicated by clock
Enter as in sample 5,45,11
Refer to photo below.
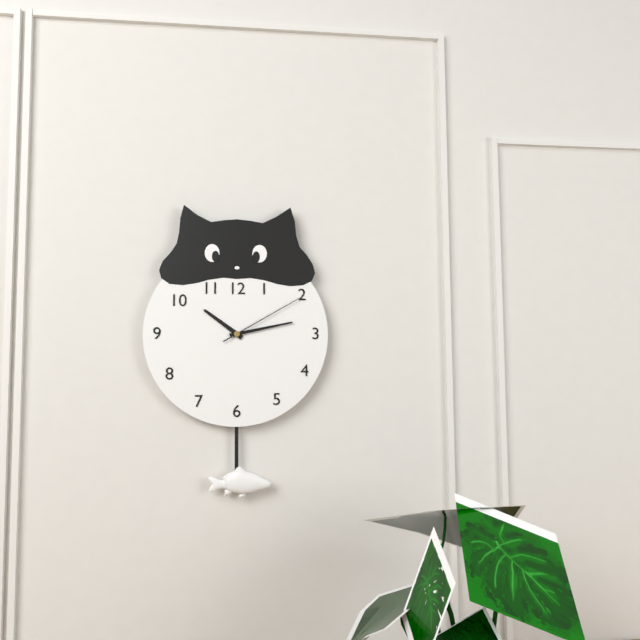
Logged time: 10,13,10
